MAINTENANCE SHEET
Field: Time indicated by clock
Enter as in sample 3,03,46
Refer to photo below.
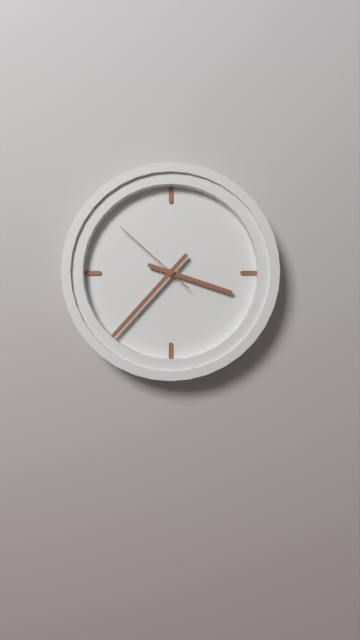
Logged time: 3,37,52
